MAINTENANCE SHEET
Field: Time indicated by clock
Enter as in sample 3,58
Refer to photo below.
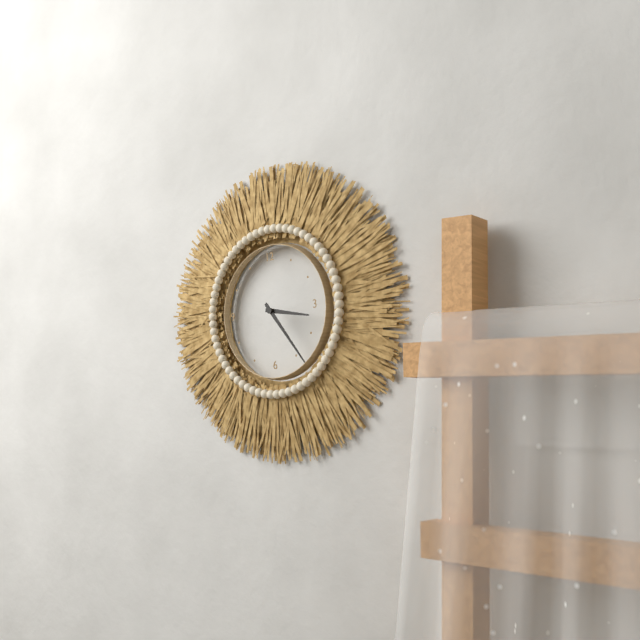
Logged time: 3,24
